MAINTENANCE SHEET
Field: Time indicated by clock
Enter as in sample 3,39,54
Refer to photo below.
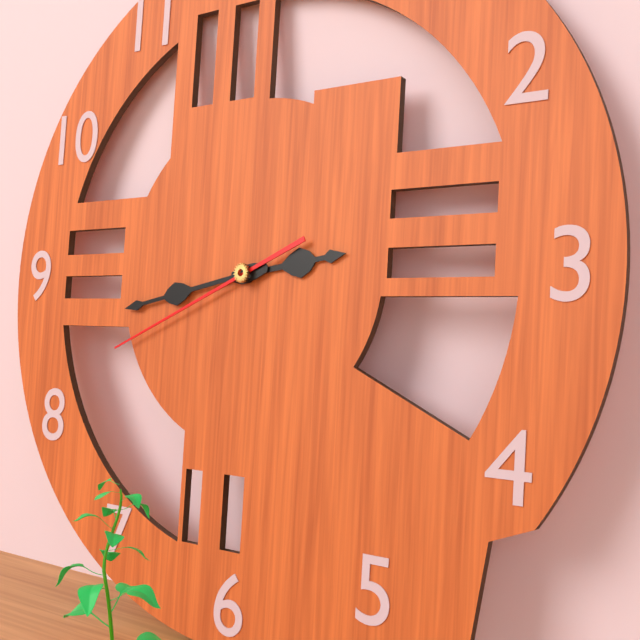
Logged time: 2,43,41
